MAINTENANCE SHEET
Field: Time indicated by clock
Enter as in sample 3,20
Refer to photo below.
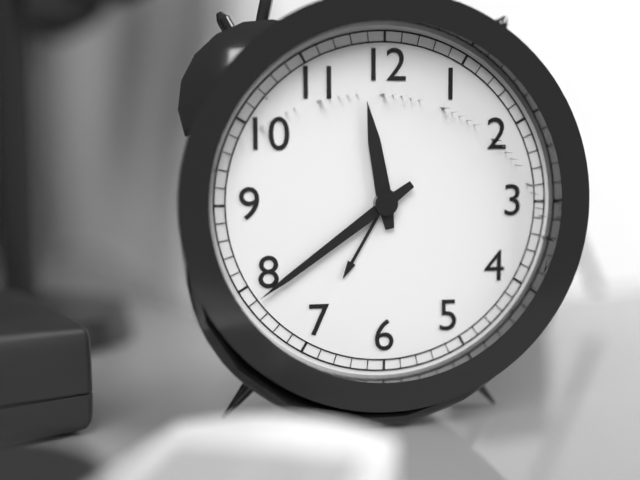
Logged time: 11,39
